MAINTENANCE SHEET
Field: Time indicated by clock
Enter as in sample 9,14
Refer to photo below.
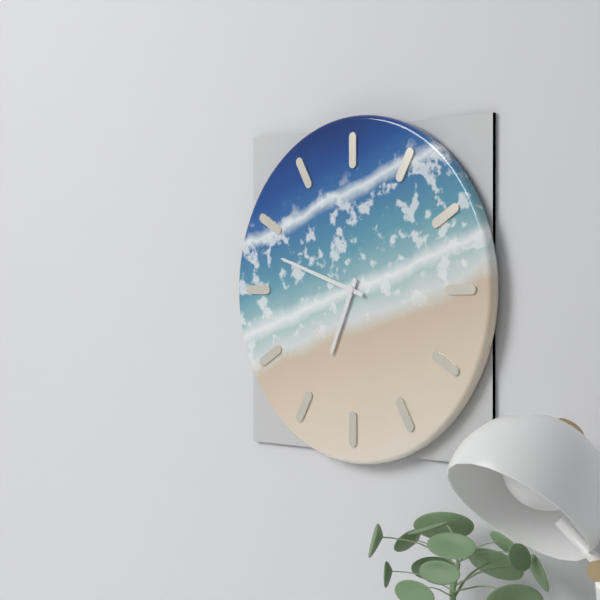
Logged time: 6,48
